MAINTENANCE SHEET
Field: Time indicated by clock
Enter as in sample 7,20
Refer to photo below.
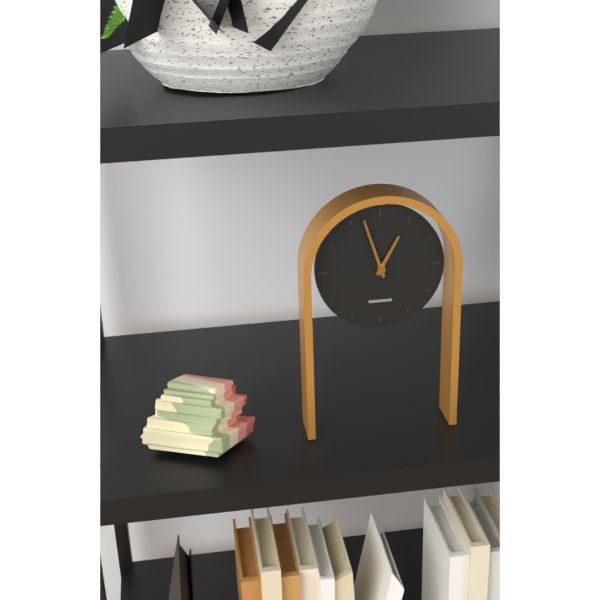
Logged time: 12,57
